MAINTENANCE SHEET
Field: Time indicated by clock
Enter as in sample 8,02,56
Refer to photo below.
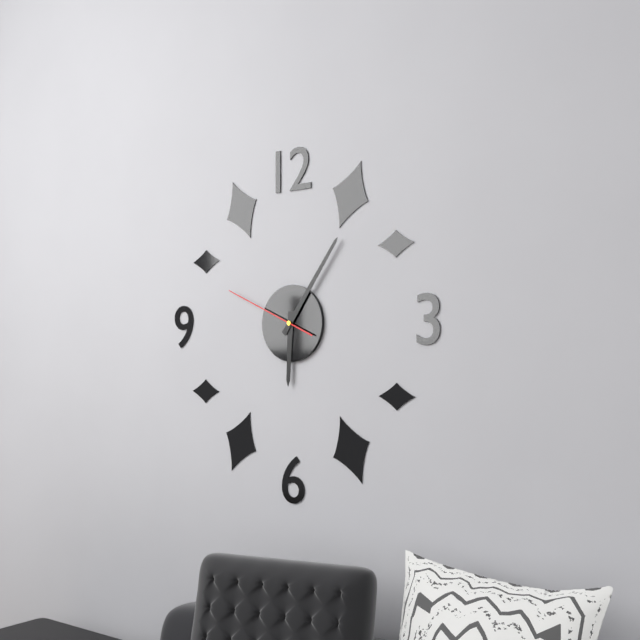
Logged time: 6,06,49
